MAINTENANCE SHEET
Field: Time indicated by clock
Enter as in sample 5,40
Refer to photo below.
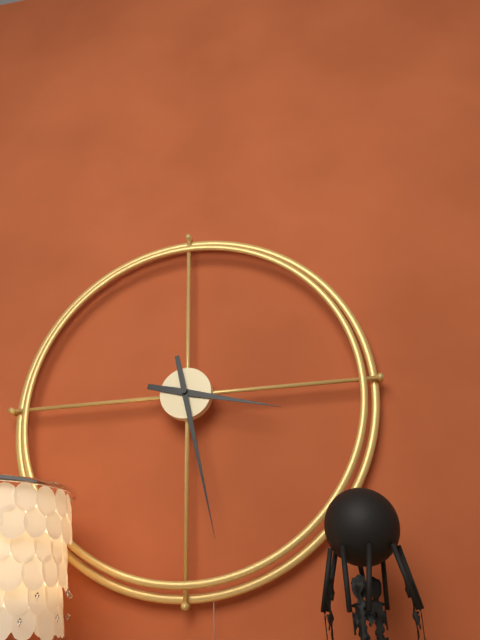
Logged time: 3,28
